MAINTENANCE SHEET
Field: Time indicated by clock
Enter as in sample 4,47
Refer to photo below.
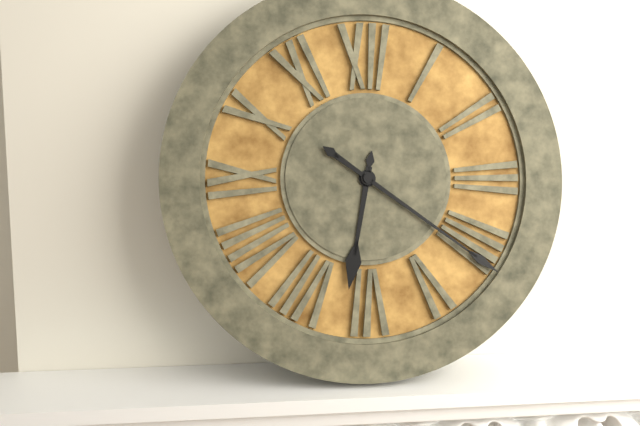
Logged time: 6,21
